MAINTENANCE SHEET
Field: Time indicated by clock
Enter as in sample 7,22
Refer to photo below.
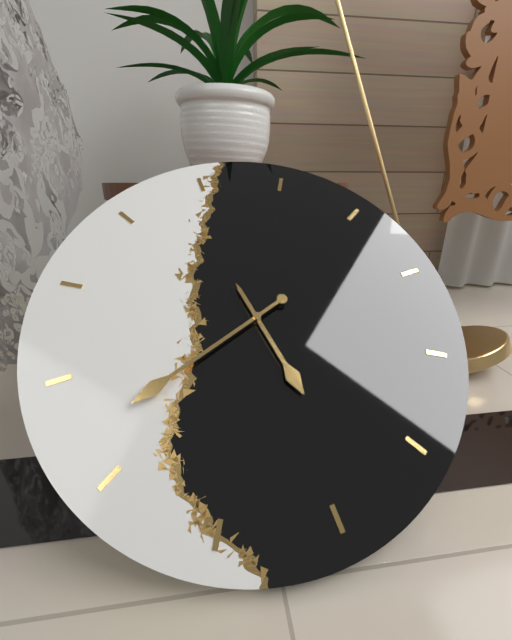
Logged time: 5,42
